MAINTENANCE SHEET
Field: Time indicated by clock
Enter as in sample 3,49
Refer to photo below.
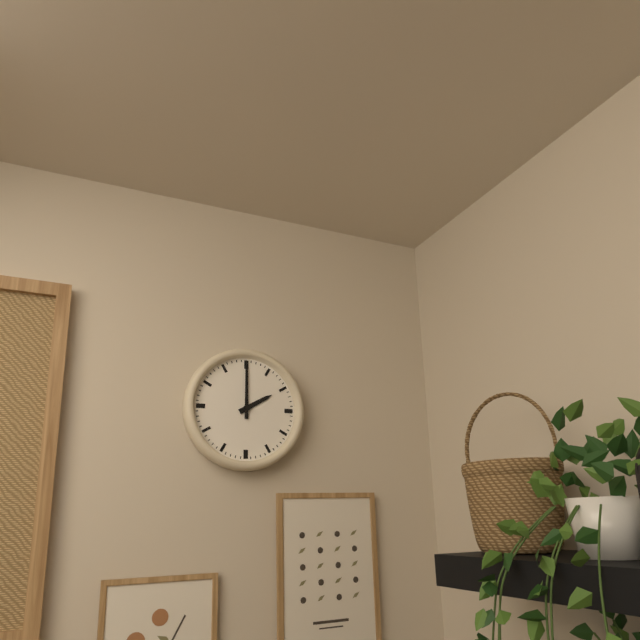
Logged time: 2,00
